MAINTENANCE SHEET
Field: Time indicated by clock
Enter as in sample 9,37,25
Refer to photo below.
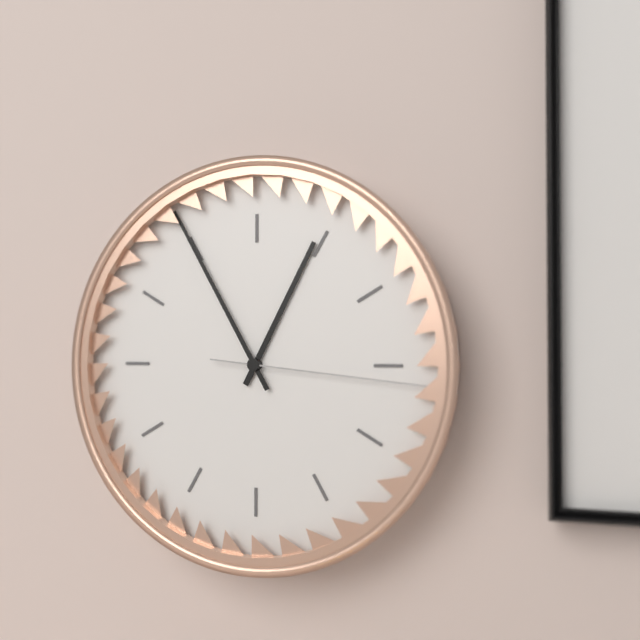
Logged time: 12,55,16
